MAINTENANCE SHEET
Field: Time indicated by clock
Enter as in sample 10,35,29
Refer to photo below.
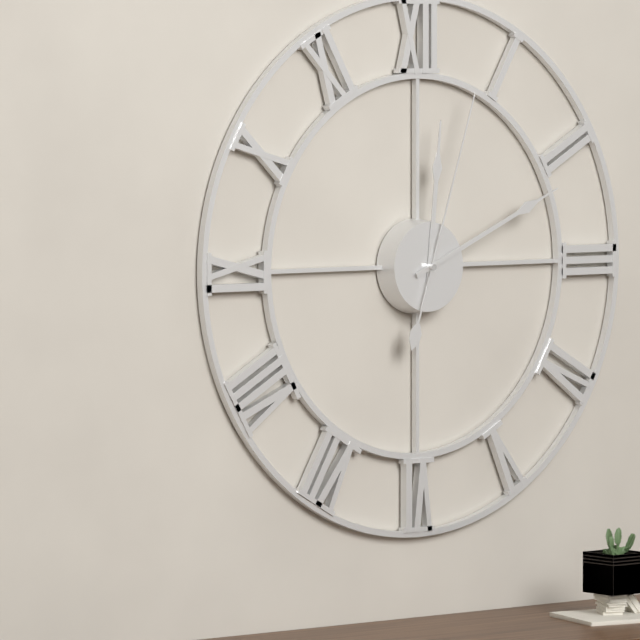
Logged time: 12,11,03
